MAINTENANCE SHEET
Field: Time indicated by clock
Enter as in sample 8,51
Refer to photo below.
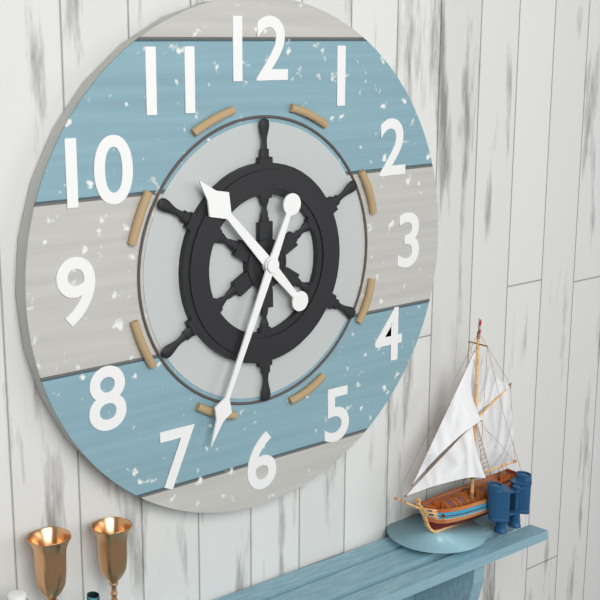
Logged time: 10,34
